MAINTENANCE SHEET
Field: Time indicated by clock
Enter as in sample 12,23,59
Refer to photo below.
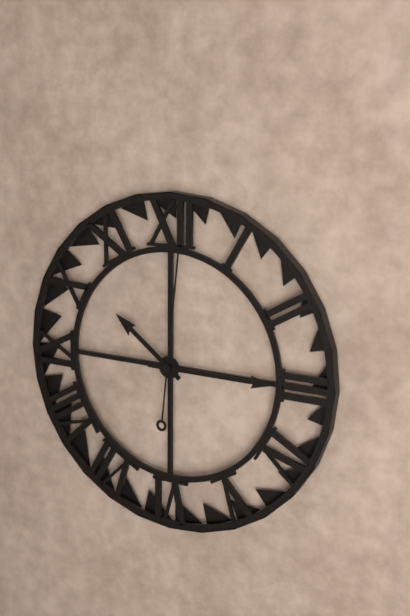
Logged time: 10,15,01
